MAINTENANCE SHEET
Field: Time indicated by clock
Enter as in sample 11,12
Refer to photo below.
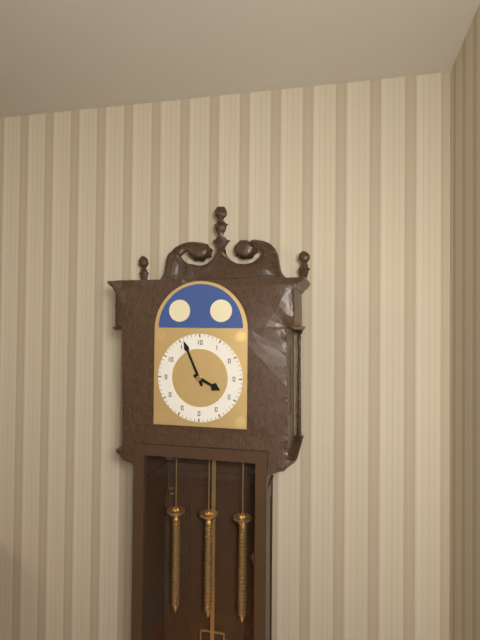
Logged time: 3,56
